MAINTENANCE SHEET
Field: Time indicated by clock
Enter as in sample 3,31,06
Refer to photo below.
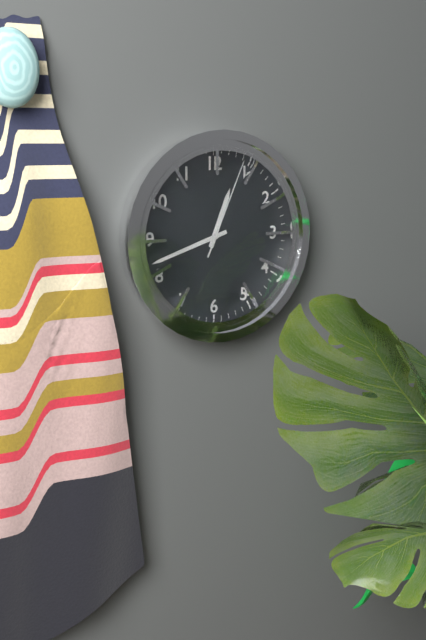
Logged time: 12,42,04
